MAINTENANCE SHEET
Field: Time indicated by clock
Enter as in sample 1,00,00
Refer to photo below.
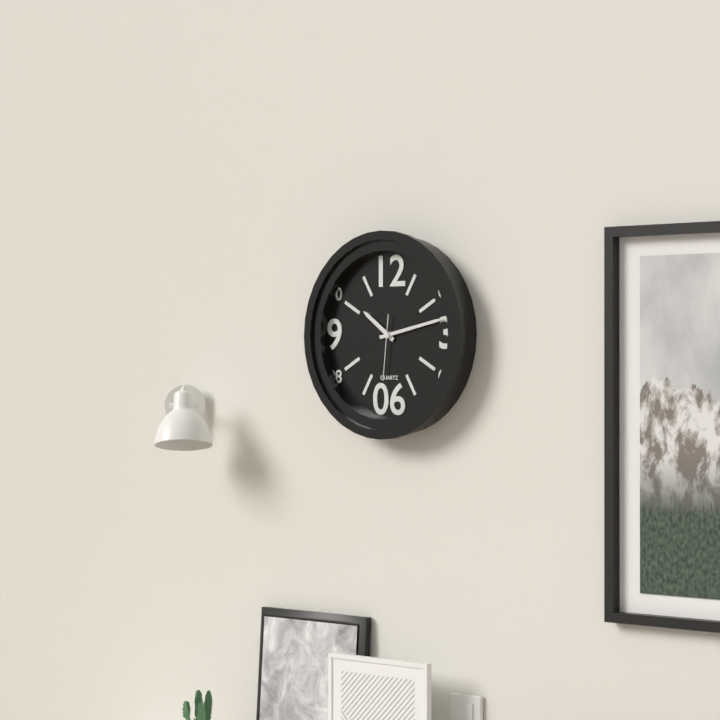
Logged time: 10,13,31
